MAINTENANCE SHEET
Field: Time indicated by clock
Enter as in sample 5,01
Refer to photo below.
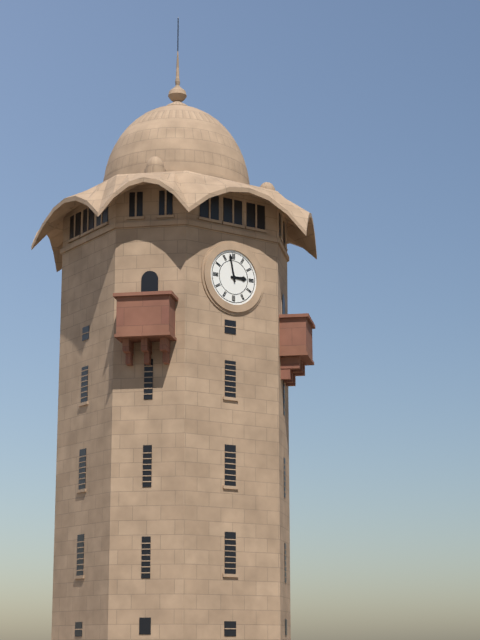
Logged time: 2,58
